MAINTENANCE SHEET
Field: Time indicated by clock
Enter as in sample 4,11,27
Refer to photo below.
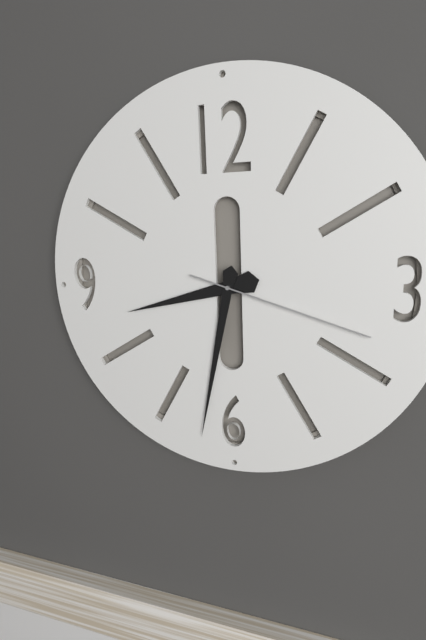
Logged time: 8,32,18
